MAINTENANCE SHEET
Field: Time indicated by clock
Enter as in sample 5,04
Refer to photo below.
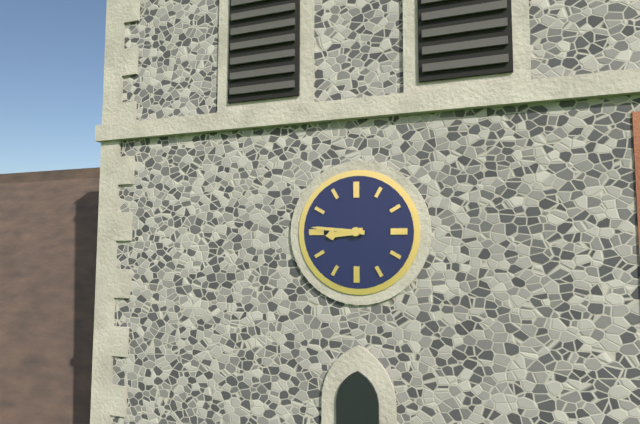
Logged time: 8,46
